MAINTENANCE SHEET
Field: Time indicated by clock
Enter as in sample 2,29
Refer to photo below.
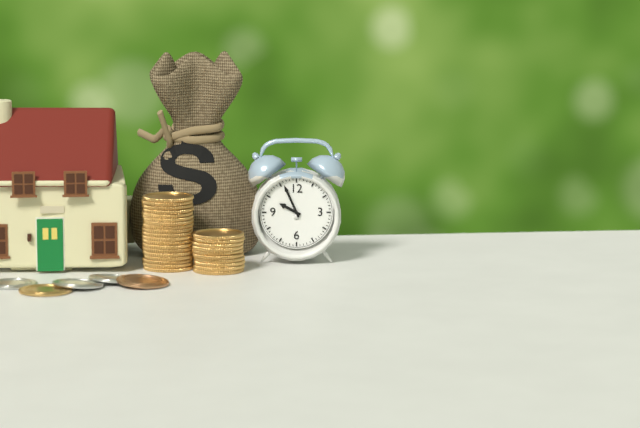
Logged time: 9,56
